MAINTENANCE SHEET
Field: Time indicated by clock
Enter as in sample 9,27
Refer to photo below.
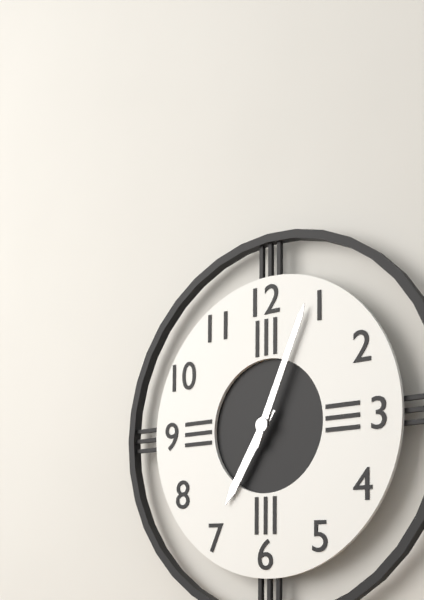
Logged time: 7,04
